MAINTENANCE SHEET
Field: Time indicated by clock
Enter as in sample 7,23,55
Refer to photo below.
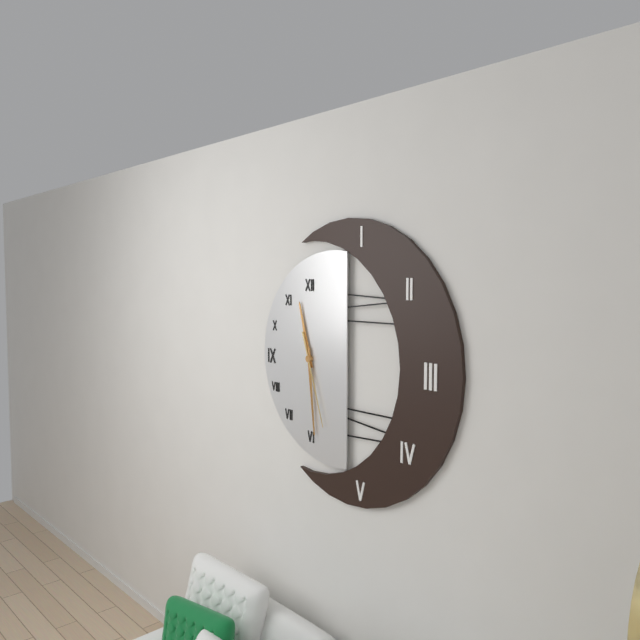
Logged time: 11,29,27
